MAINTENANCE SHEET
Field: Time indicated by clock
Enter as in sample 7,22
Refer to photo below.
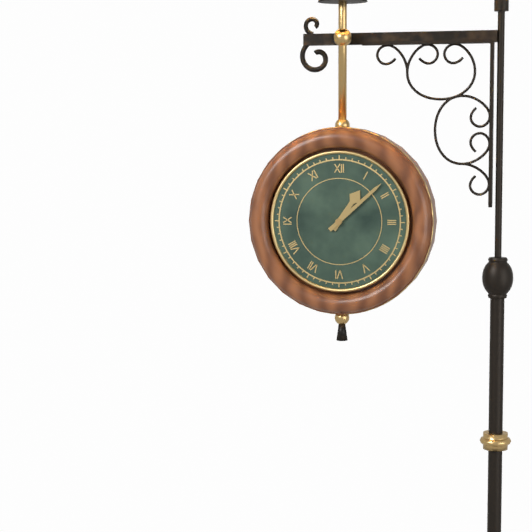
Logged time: 1,08
